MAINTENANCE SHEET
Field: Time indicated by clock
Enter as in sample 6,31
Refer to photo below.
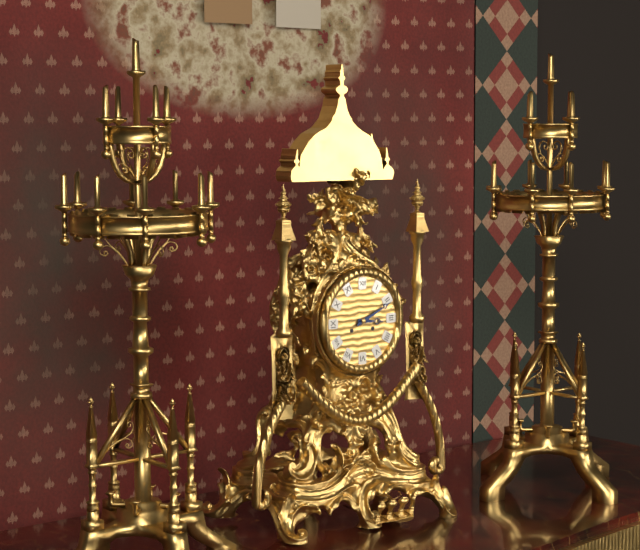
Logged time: 3,11
